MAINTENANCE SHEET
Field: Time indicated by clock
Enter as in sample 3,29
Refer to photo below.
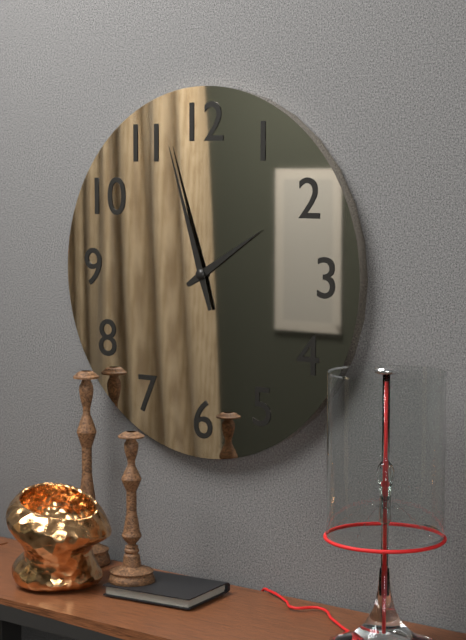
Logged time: 1,57
